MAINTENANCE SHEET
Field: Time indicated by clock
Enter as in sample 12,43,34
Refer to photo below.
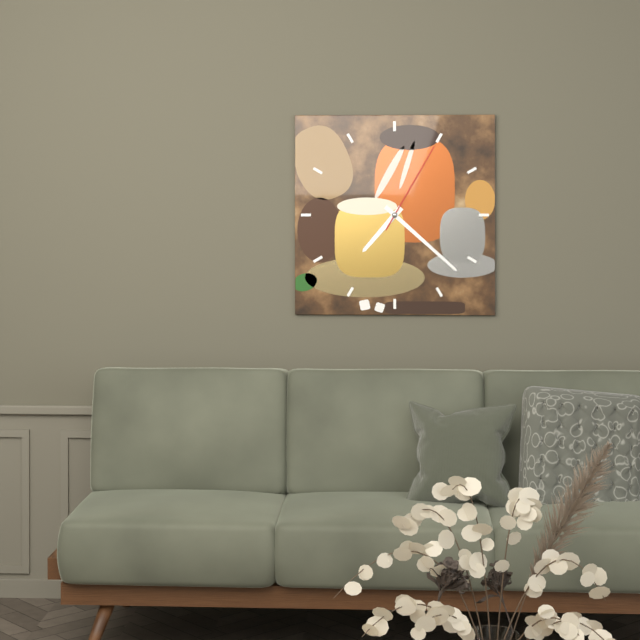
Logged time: 7,22,05
